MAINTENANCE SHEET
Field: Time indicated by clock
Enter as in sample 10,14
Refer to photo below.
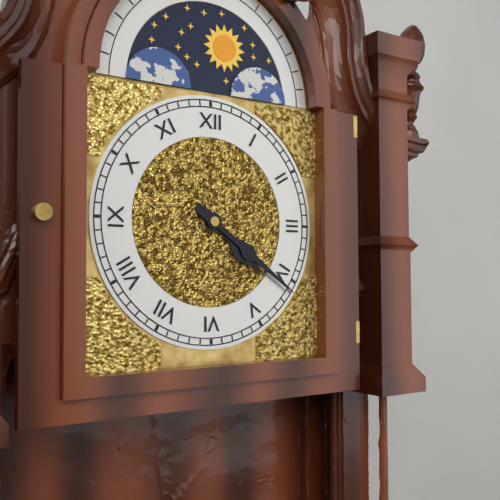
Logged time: 4,21
